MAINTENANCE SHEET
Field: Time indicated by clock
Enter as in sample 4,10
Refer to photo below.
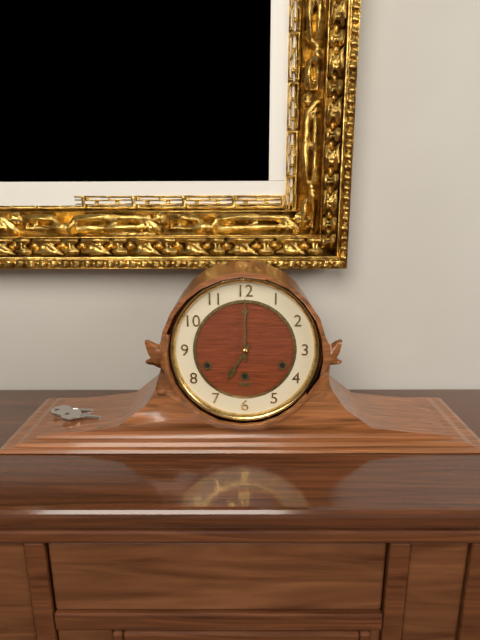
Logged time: 7,00
